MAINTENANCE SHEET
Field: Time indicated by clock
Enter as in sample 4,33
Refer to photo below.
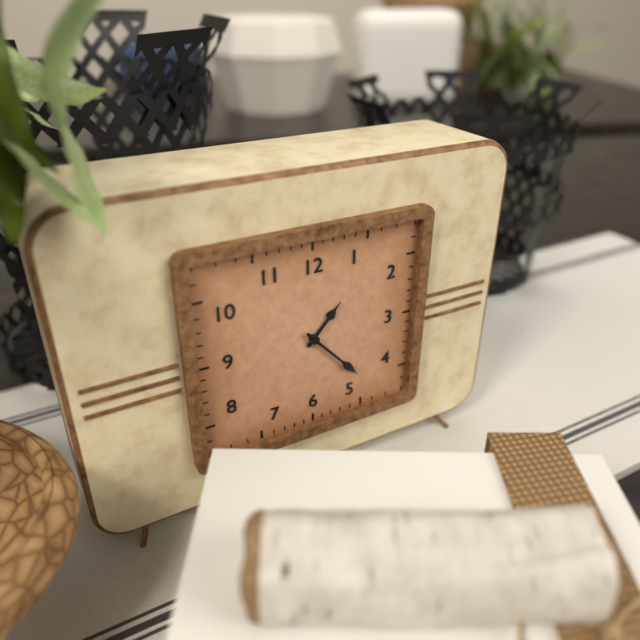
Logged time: 1,23
